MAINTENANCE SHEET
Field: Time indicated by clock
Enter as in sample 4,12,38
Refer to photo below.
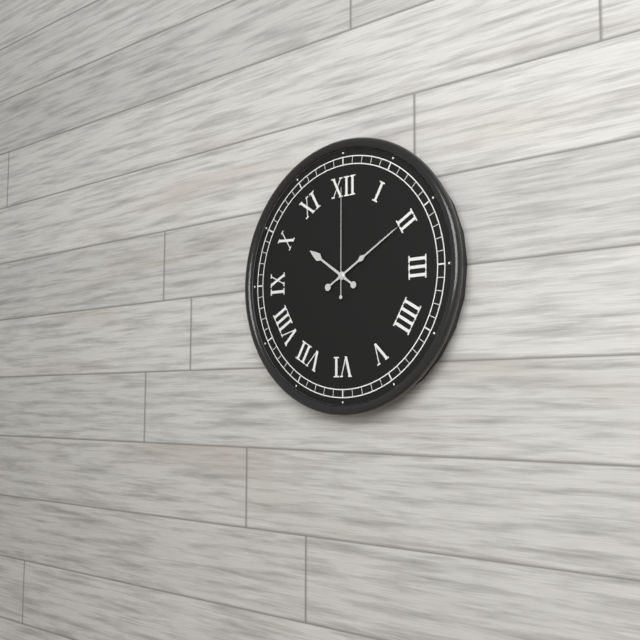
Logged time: 10,10,00
